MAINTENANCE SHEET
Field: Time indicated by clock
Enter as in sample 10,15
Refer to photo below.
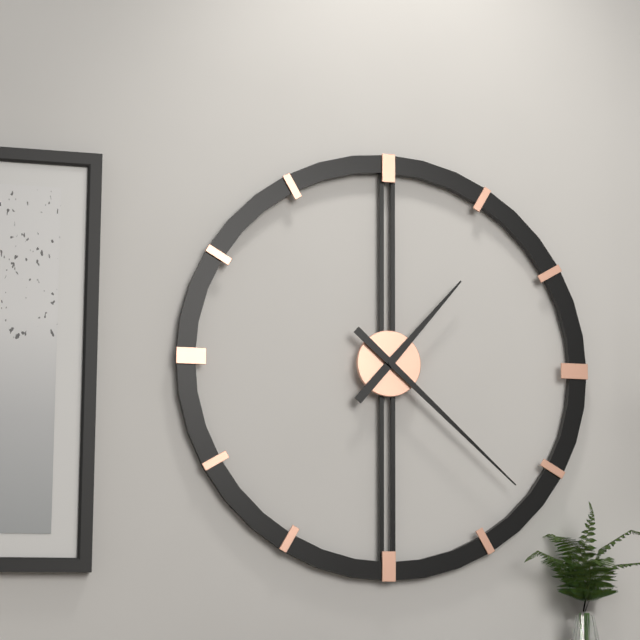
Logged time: 1,22
